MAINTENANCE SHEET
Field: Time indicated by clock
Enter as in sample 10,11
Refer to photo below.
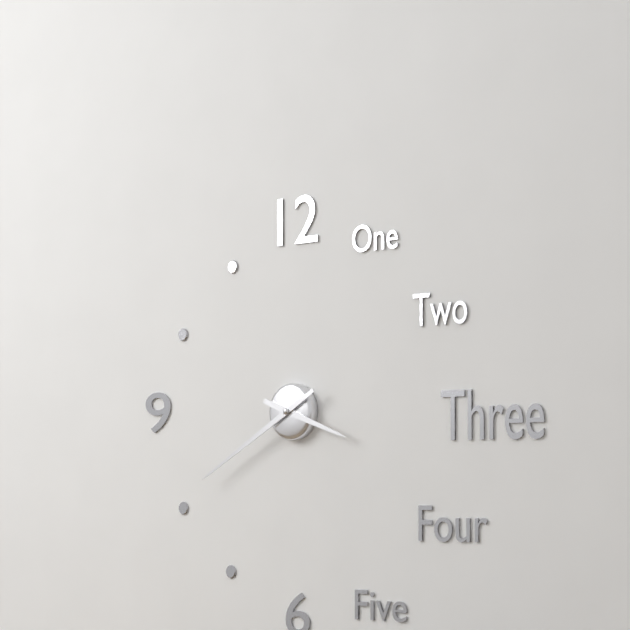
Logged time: 3,40
